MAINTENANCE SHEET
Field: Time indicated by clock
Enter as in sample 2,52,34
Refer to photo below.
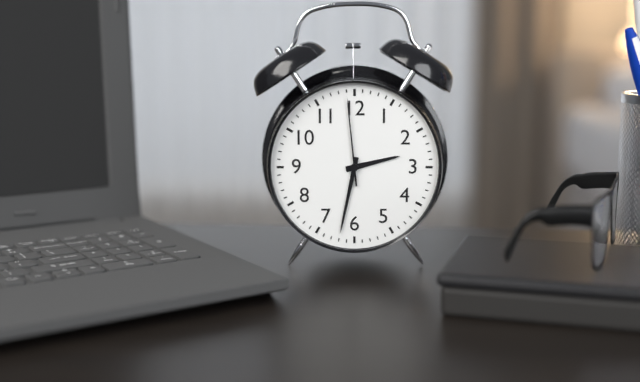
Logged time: 2,32,59
